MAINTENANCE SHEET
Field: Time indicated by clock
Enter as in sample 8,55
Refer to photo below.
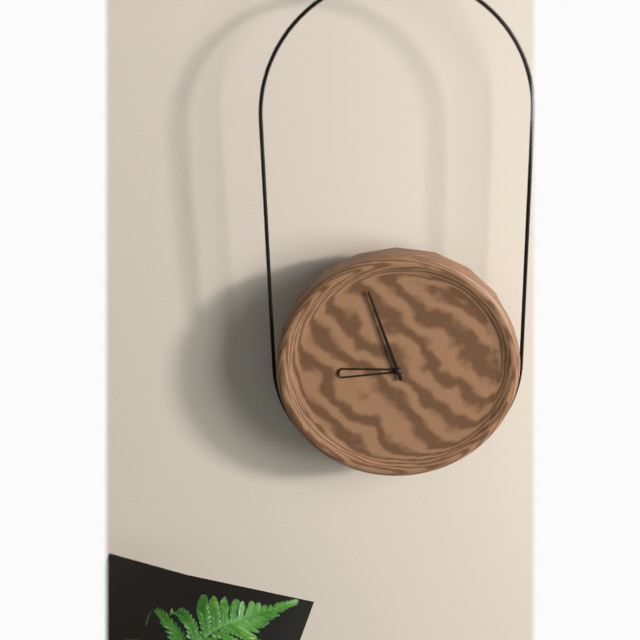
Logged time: 8,57
